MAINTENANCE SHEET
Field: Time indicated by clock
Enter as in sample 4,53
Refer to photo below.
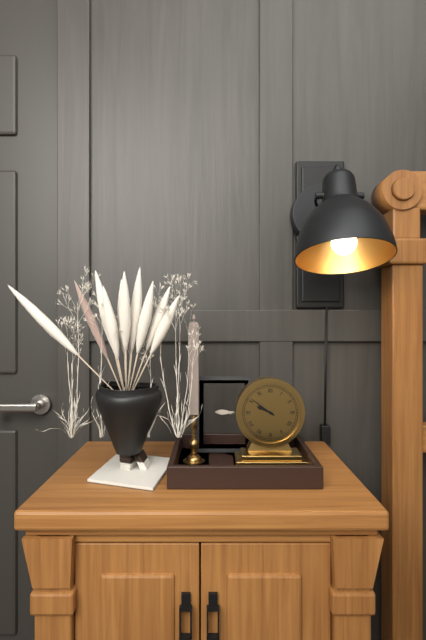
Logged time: 9,51
